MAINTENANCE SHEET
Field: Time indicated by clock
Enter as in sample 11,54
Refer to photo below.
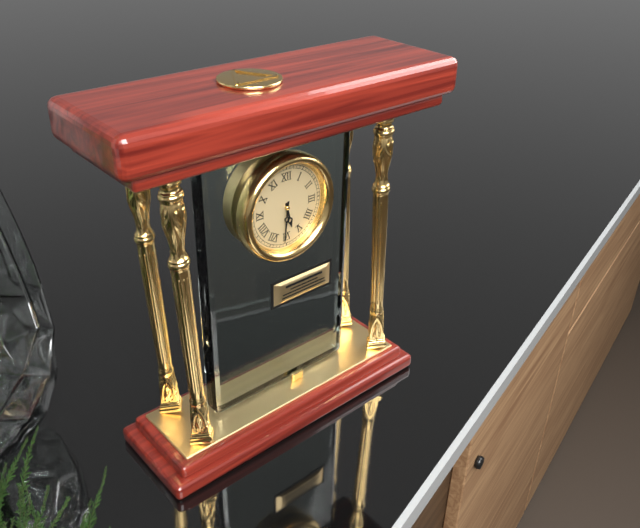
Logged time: 5,31
